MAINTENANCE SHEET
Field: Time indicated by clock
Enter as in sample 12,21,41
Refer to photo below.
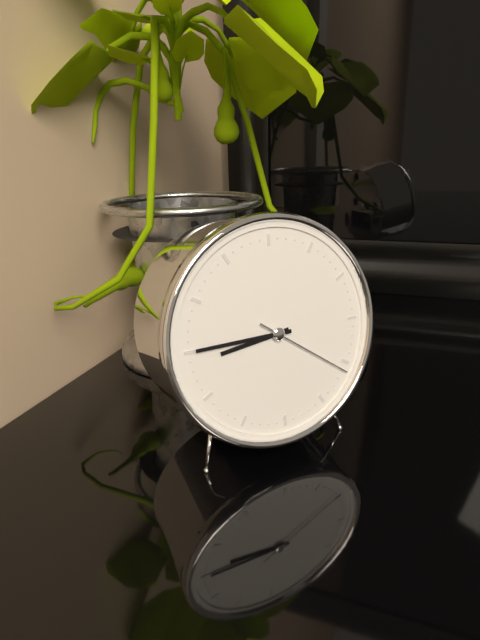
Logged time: 8,45,21
